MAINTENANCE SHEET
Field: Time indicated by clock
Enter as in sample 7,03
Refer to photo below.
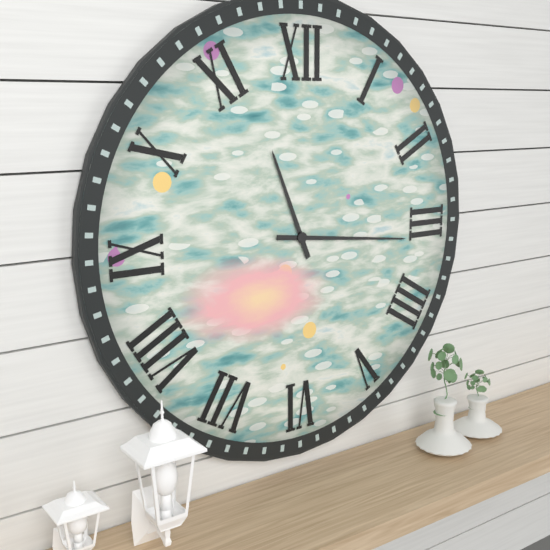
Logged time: 11,16
